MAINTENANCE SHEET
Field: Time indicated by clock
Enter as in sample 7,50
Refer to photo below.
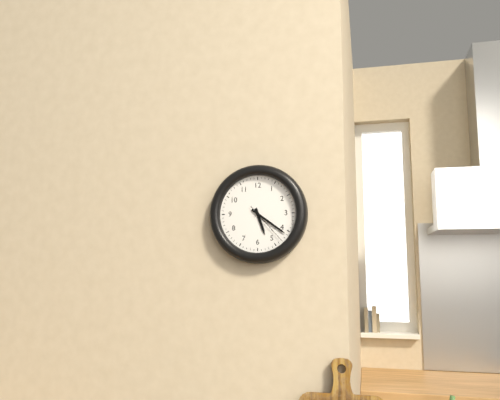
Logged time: 5,21
